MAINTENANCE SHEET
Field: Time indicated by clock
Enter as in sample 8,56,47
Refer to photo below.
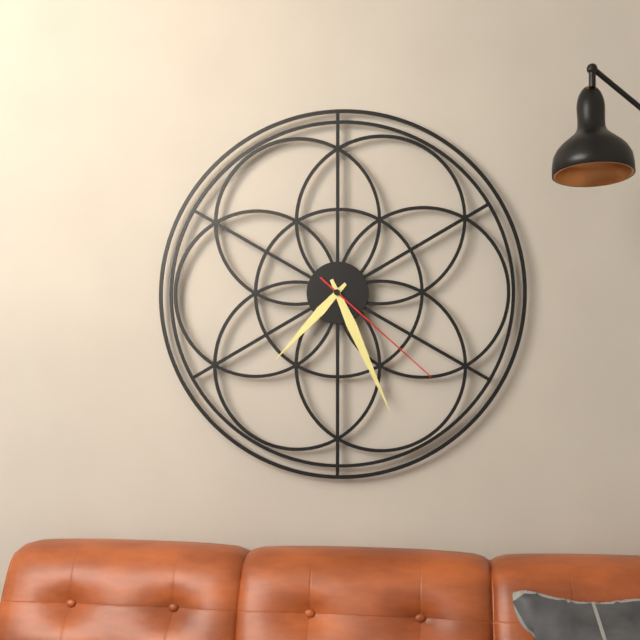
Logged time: 7,26,22
